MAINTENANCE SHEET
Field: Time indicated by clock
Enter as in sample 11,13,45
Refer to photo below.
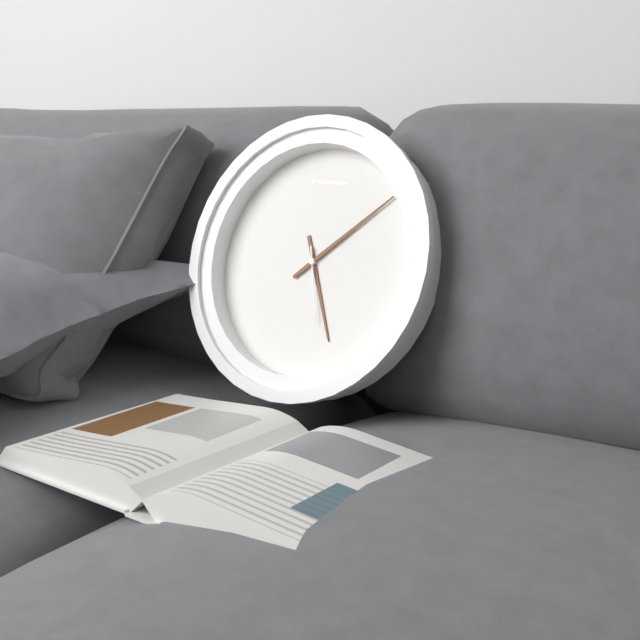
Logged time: 5,08,27
